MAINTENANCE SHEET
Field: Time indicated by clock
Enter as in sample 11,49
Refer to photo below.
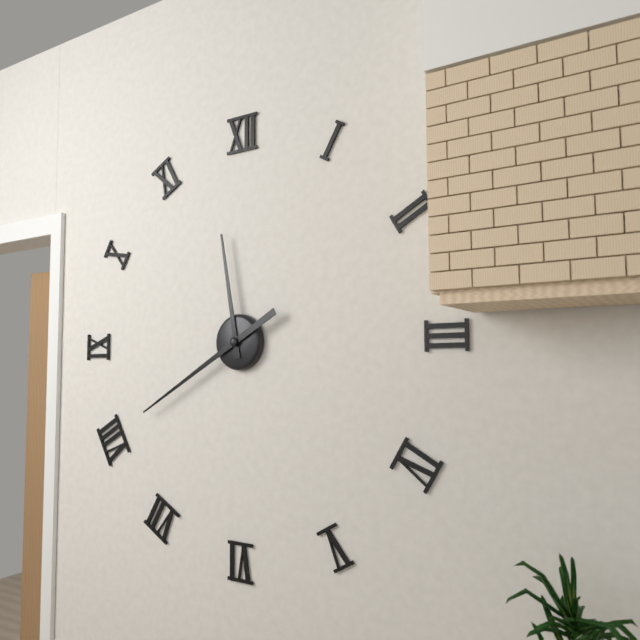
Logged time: 11,40
